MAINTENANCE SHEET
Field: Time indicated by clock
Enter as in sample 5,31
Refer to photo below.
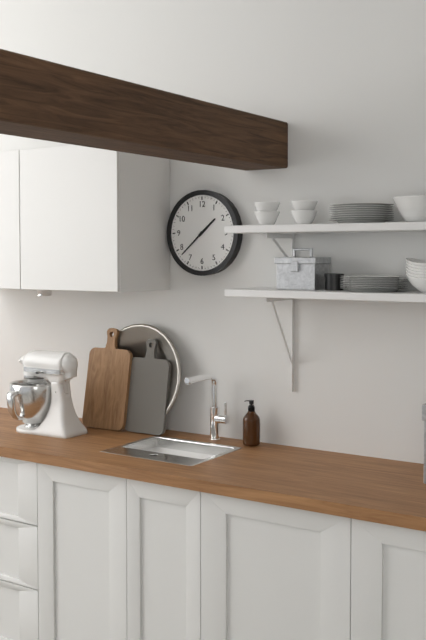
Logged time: 1,38
